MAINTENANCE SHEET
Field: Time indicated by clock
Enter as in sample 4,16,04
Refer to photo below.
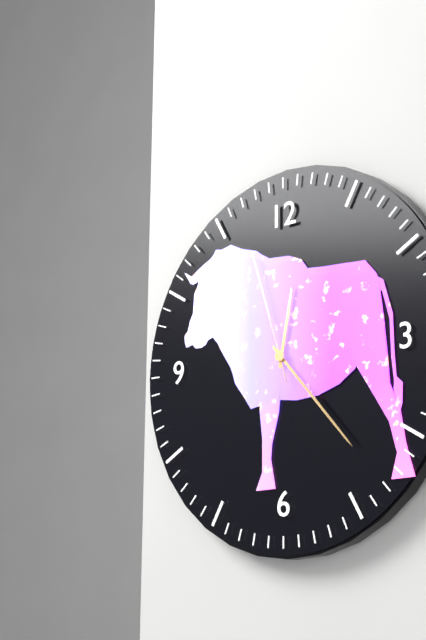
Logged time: 12,23,57
